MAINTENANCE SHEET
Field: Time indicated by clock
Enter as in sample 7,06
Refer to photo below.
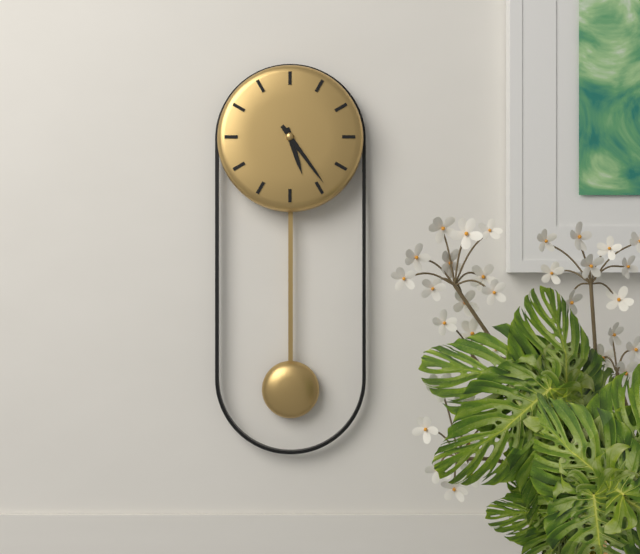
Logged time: 5,24
